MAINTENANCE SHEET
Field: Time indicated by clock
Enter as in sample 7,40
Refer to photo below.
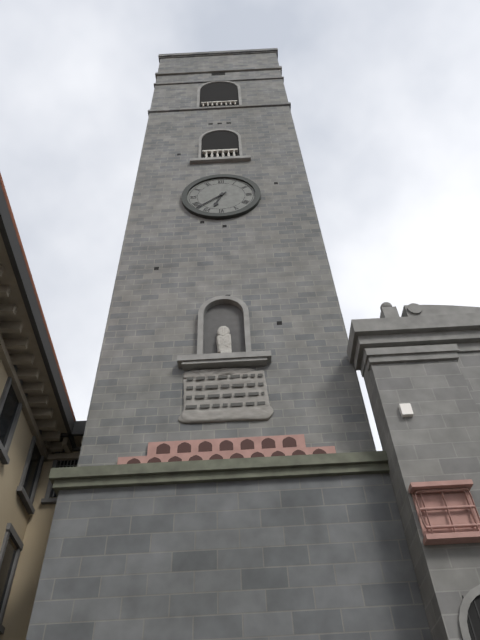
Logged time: 6,38
